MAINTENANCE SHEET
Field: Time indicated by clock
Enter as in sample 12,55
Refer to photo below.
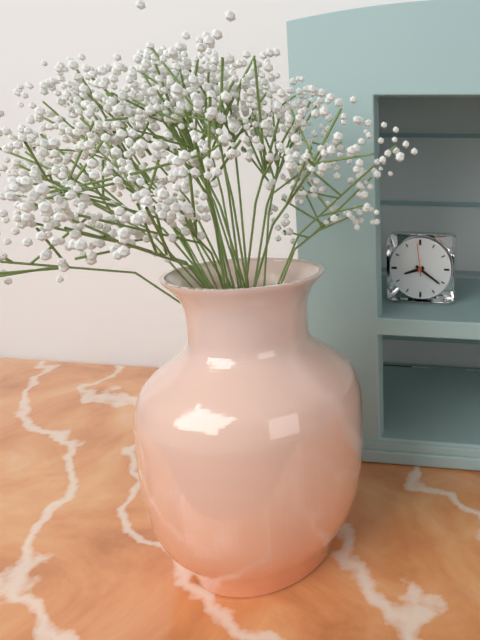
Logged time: 8,21
